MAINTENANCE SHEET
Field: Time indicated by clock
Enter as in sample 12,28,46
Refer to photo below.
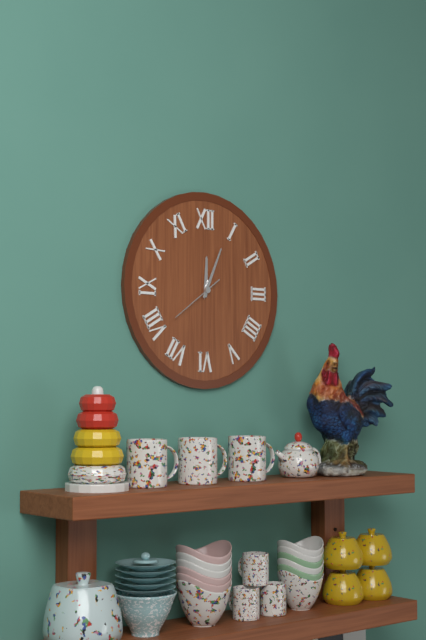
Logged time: 12,04,39
